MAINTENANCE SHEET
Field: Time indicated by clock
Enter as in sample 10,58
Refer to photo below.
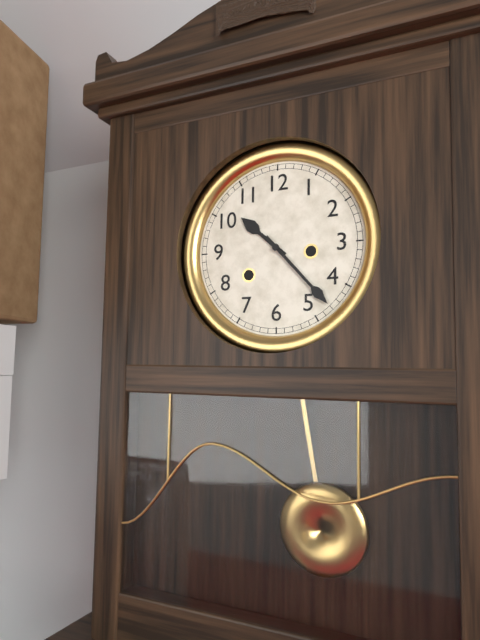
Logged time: 10,23
